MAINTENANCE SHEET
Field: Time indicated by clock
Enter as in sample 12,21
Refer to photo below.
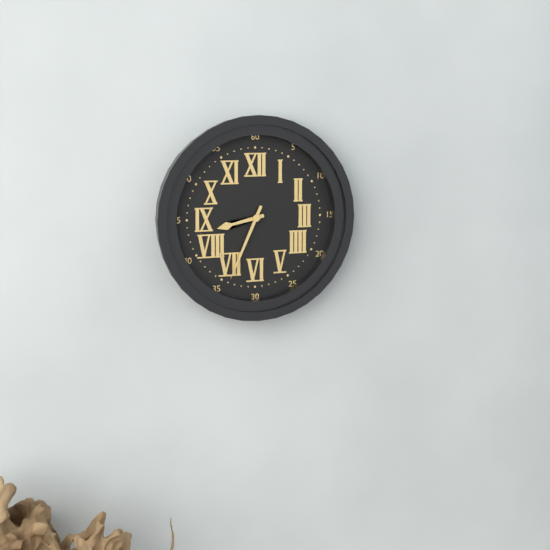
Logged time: 8,34
